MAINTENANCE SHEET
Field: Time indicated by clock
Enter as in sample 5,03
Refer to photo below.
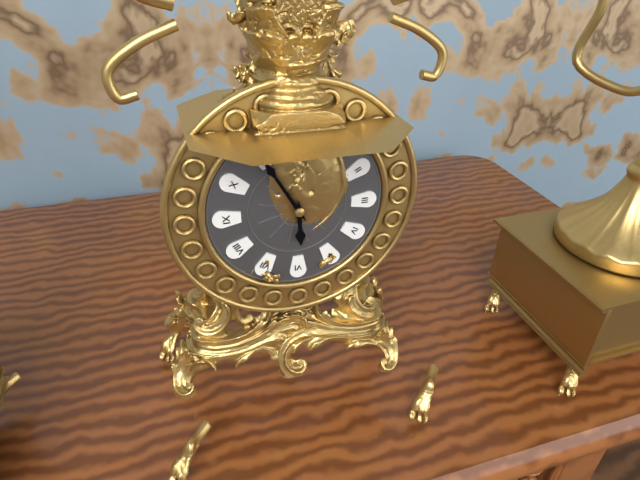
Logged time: 5,55
